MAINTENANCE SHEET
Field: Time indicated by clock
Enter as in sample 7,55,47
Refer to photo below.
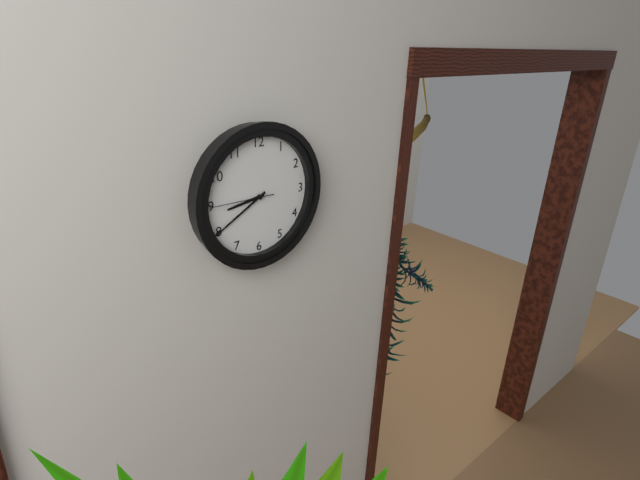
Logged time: 8,40,45
